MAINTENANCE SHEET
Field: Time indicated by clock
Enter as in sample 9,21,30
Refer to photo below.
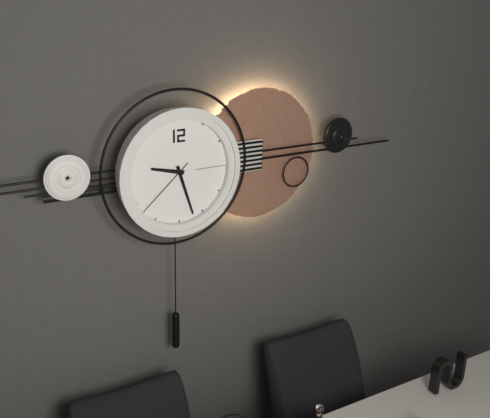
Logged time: 9,27,38
